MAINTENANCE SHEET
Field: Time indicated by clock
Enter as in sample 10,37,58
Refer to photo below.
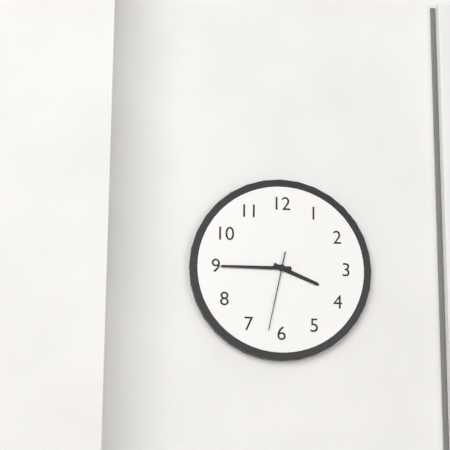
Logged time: 3,45,32
